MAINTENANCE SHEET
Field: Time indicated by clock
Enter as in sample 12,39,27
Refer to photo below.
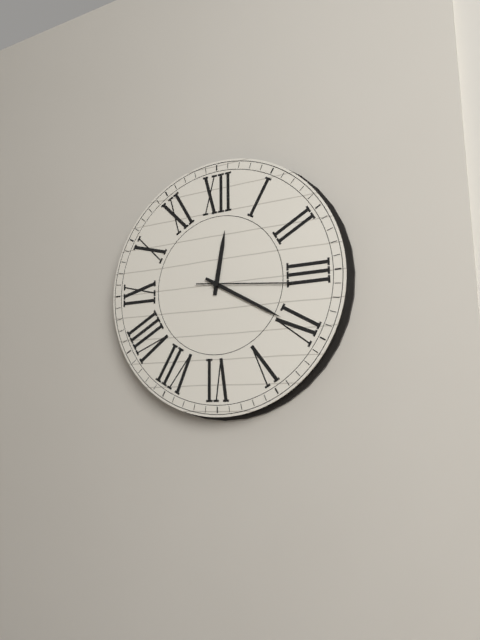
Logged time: 12,20,16
